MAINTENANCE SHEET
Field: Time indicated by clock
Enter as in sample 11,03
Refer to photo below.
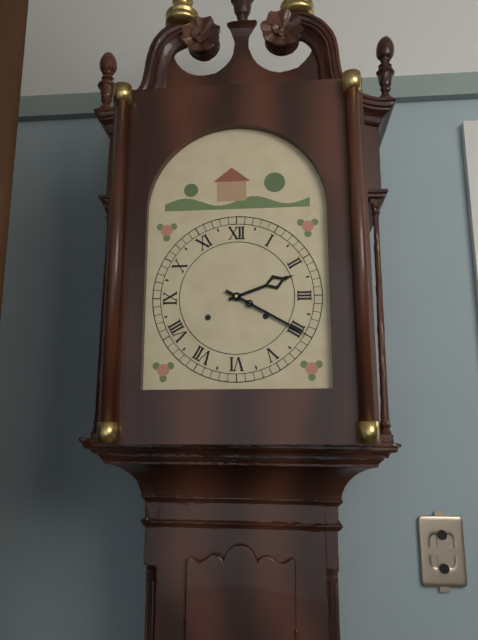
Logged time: 2,20
